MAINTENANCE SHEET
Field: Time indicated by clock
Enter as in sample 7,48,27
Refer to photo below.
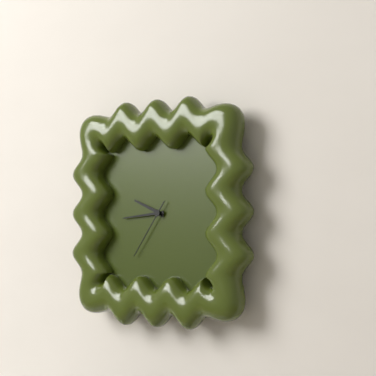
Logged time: 9,44,36
